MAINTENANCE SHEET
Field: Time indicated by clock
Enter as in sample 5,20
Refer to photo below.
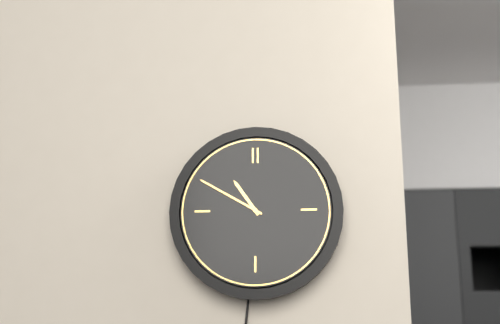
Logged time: 10,50
